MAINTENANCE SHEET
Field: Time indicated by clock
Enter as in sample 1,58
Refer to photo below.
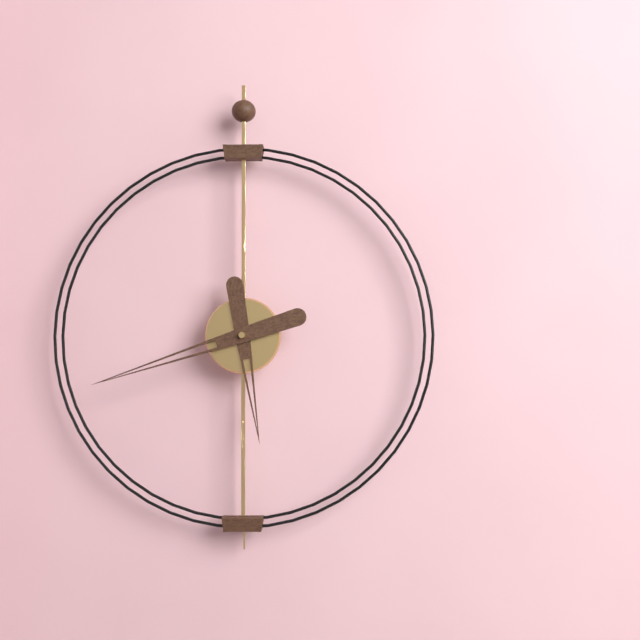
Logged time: 5,42
